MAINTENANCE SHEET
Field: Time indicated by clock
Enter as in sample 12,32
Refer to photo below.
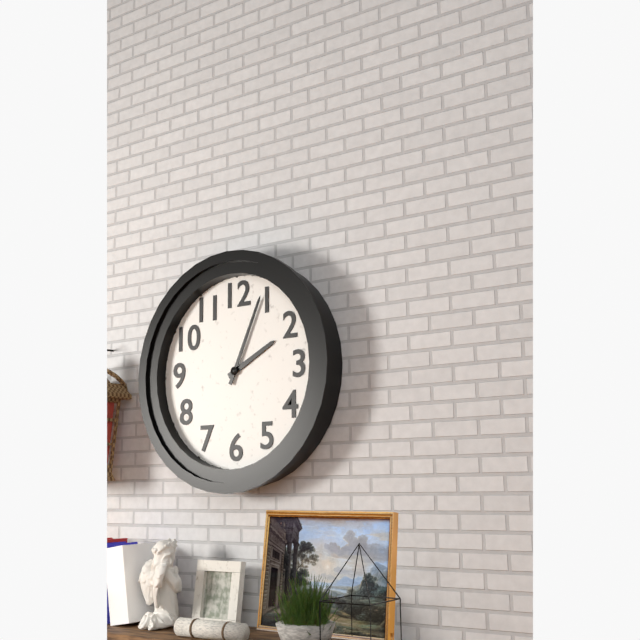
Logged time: 2,04
